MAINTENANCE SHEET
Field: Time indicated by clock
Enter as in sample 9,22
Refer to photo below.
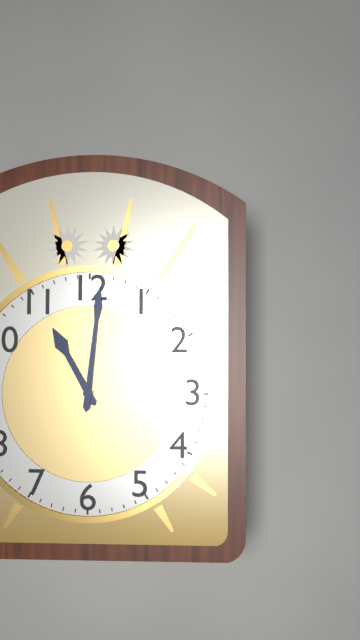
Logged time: 11,01
